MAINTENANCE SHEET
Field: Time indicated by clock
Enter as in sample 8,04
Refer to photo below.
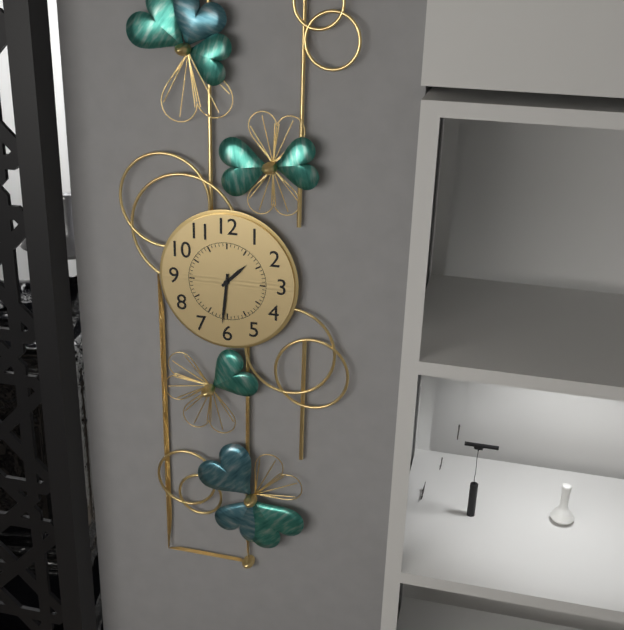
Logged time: 1,31
